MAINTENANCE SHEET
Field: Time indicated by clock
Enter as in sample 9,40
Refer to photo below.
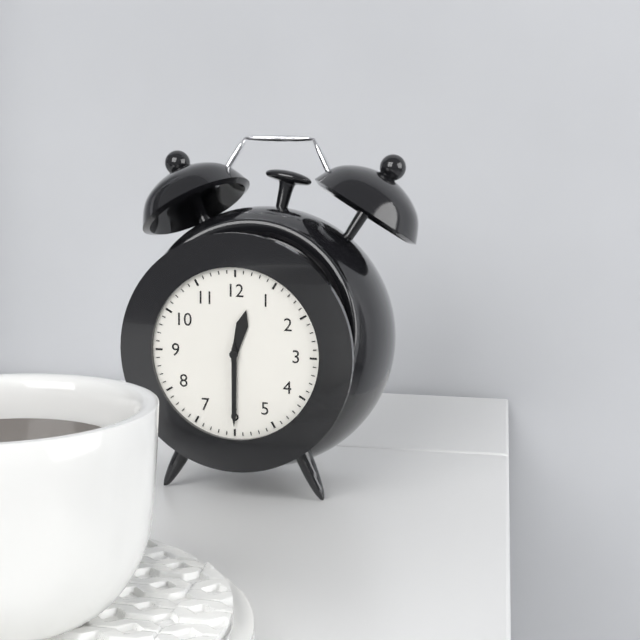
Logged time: 12,30
